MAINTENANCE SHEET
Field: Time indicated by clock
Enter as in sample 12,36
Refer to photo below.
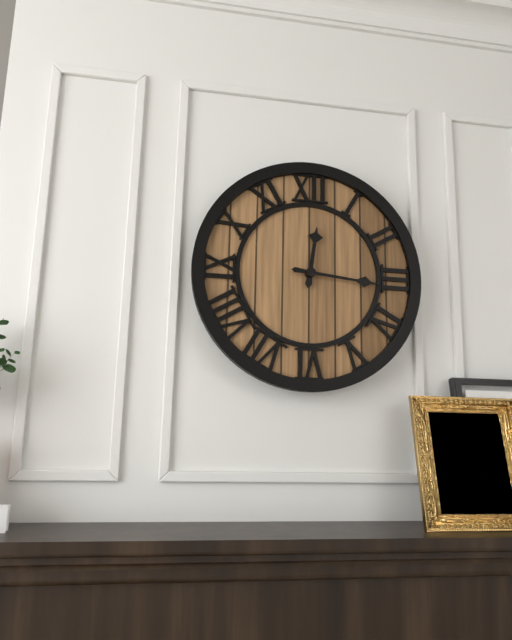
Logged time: 12,16
